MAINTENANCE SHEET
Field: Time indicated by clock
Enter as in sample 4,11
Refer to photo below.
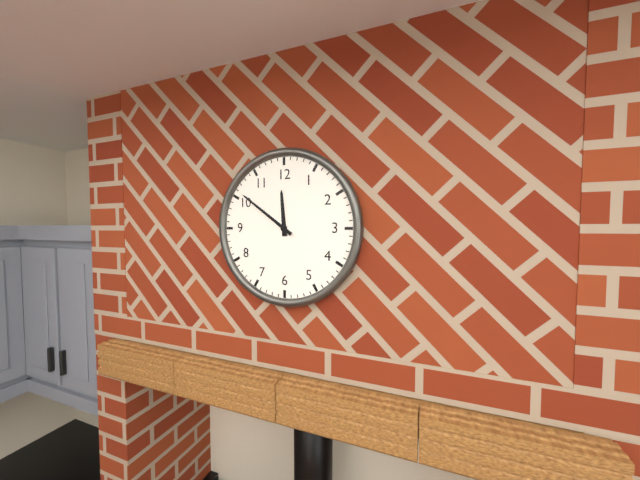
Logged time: 11,51
